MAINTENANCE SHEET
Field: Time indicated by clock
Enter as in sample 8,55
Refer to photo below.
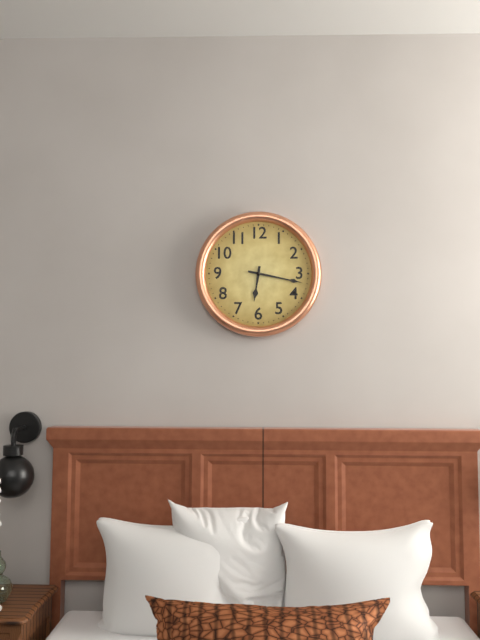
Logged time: 6,17
